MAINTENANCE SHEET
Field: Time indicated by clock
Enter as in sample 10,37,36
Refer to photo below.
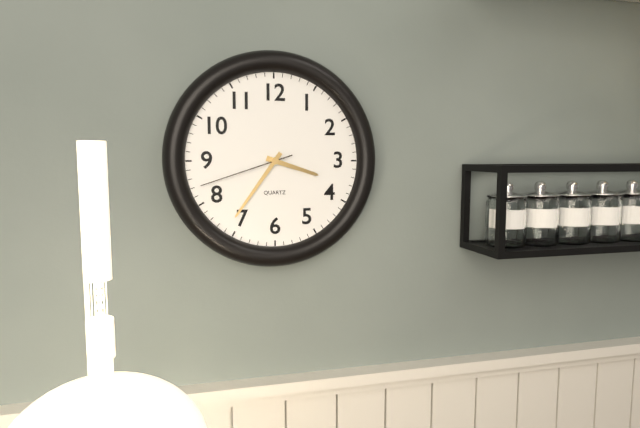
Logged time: 3,36,42
